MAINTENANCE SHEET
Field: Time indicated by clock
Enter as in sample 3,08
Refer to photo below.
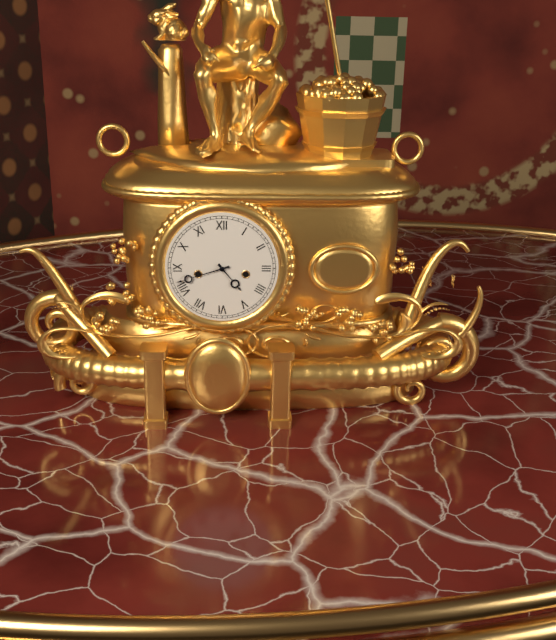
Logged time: 4,42
